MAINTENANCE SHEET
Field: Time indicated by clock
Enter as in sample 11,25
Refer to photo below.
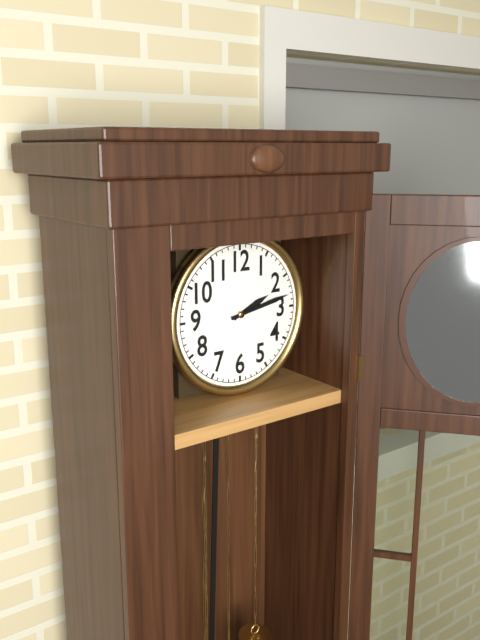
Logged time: 2,13
